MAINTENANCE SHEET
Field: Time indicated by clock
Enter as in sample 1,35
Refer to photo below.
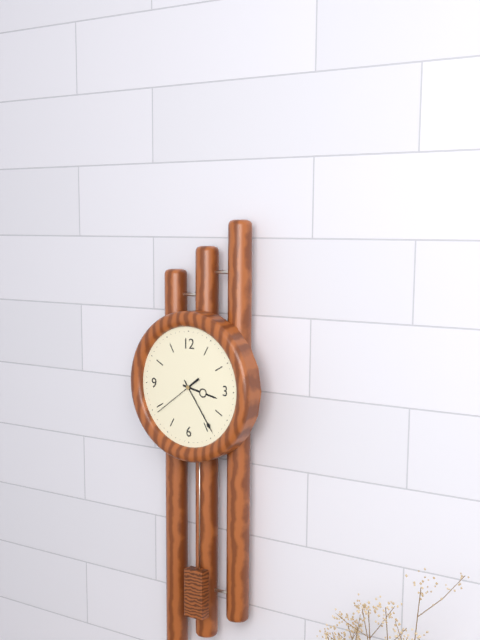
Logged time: 3,24
